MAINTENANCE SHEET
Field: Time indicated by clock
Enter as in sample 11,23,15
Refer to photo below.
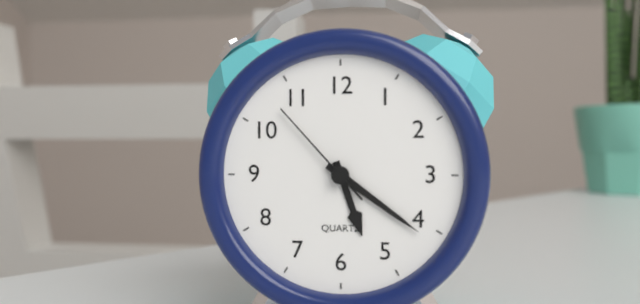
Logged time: 5,21,53
